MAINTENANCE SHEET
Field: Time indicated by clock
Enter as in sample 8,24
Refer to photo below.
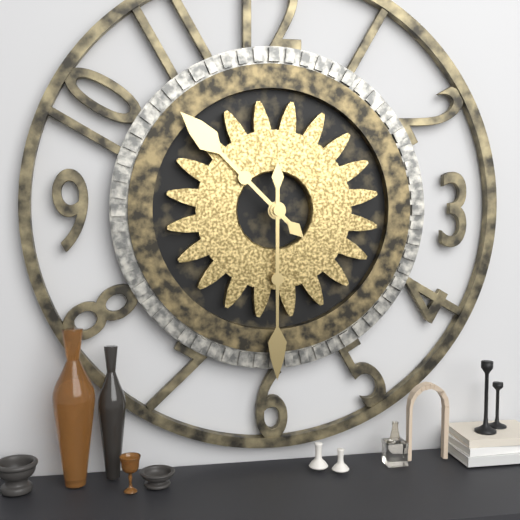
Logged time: 10,30
